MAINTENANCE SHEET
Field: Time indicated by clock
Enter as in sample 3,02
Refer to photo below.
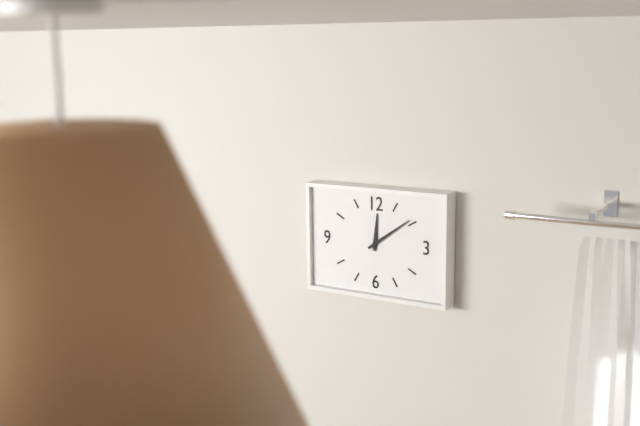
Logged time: 12,09
